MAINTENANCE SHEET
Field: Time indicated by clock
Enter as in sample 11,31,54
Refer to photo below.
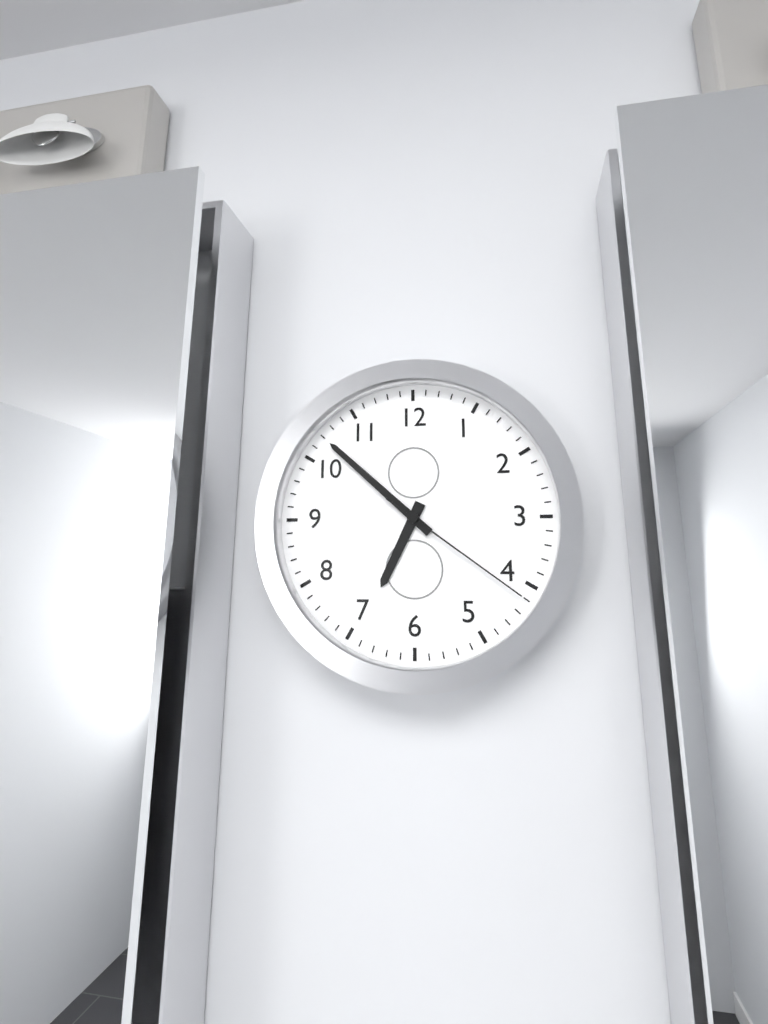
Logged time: 6,52,21
